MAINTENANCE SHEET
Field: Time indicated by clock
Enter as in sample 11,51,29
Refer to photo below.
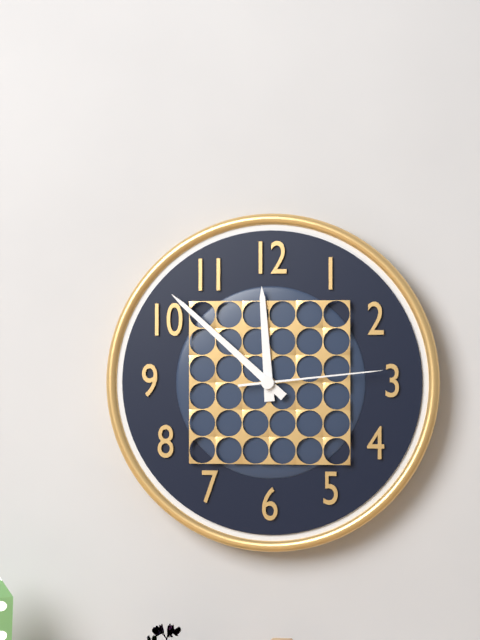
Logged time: 11,52,14
